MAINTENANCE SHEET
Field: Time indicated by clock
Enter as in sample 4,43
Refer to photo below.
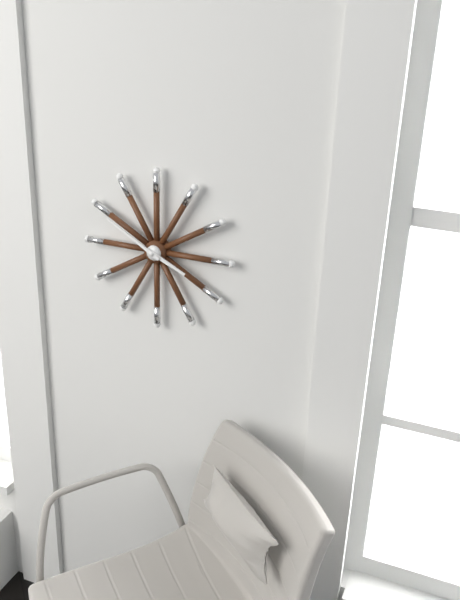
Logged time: 3,50
